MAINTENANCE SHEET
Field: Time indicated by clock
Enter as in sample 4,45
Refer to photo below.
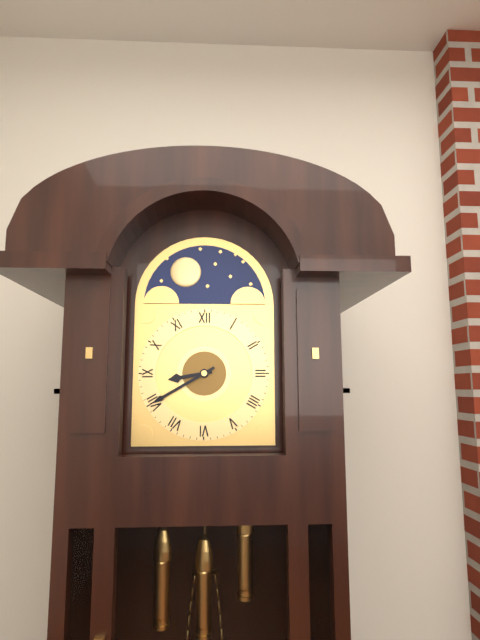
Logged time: 8,40
